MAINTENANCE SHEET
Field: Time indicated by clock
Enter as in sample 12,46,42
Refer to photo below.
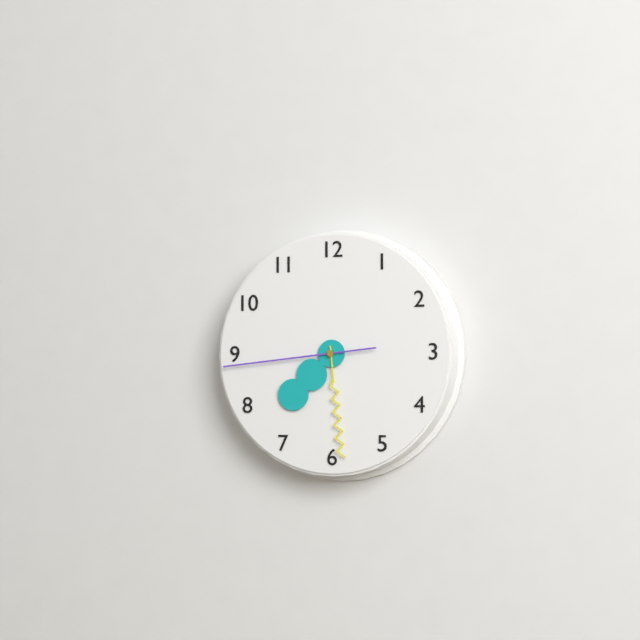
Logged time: 7,29,44
